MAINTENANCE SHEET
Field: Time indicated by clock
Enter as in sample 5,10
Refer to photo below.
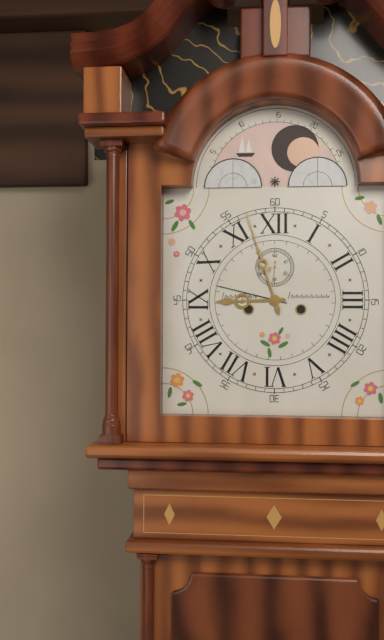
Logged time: 8,57
